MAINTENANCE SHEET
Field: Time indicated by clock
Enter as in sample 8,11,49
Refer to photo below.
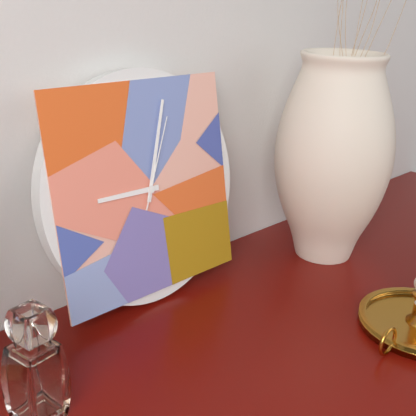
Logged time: 9,03,04
